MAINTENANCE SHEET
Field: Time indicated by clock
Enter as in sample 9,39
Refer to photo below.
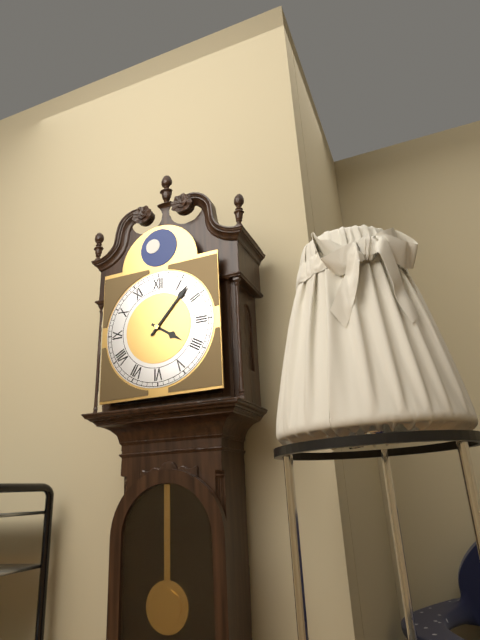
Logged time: 4,07
